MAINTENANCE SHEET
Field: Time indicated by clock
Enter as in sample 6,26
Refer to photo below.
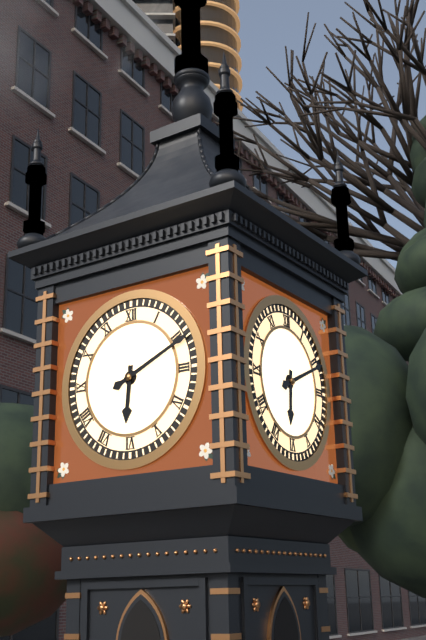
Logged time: 6,11
